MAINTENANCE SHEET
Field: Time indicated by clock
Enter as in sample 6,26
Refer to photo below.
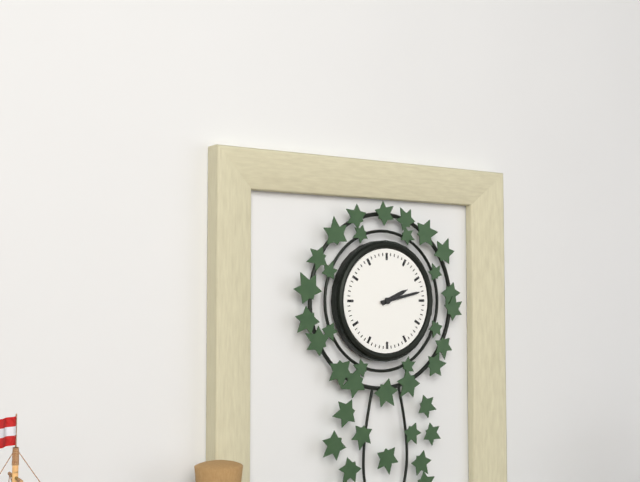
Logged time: 2,13
